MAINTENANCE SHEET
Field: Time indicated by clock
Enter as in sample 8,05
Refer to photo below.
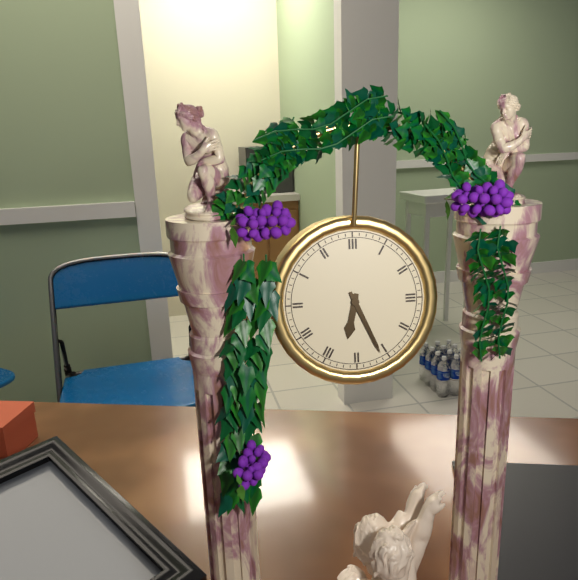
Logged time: 6,26
